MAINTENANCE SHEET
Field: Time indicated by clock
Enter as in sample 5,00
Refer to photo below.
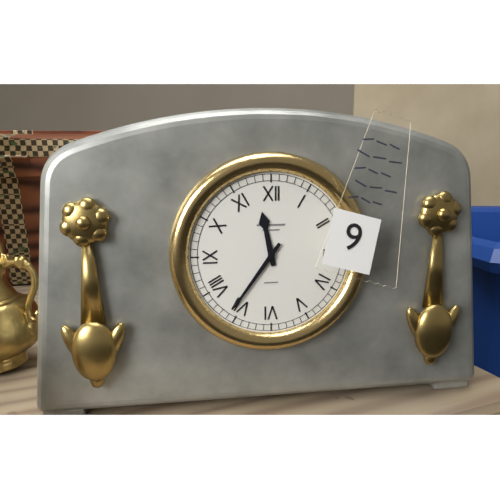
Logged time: 11,36
